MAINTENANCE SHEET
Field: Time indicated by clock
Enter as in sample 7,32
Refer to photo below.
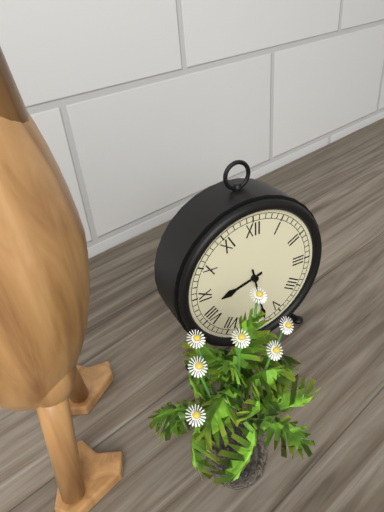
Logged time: 8,28
